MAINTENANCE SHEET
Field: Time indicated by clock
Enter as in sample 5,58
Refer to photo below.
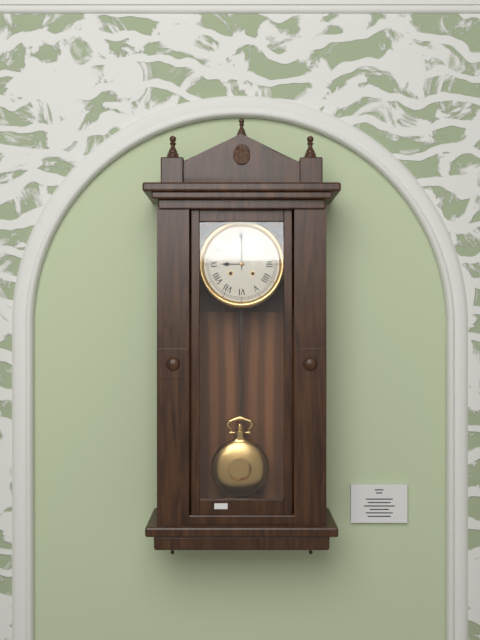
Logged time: 9,00
